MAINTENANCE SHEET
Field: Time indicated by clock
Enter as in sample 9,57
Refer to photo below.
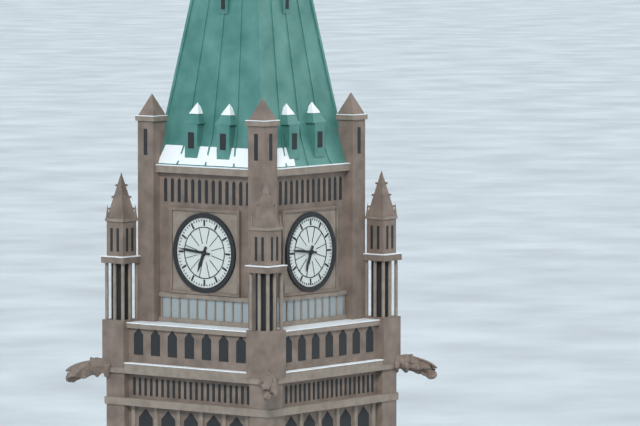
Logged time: 6,46
